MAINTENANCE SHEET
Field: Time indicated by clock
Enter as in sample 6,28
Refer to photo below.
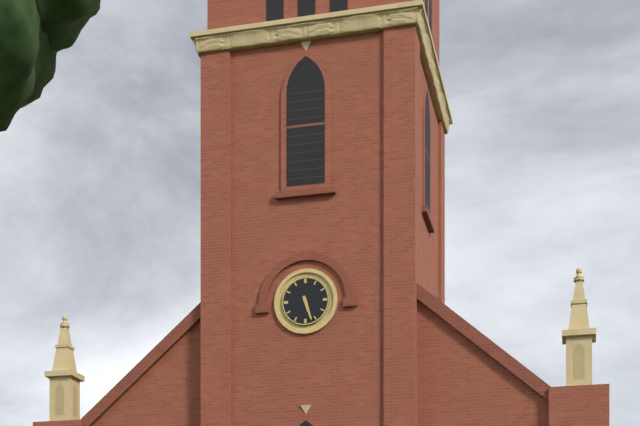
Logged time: 5,27
